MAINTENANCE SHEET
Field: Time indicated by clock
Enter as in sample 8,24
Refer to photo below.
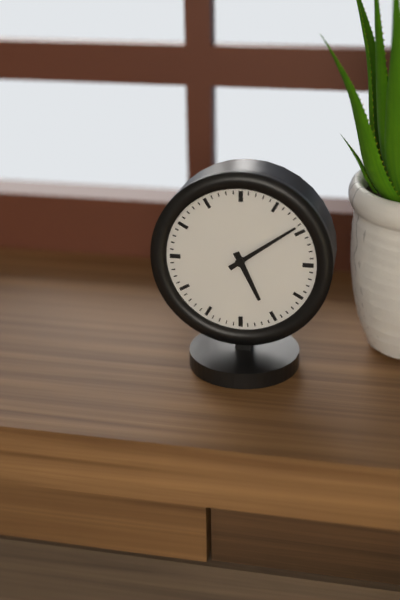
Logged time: 5,09
